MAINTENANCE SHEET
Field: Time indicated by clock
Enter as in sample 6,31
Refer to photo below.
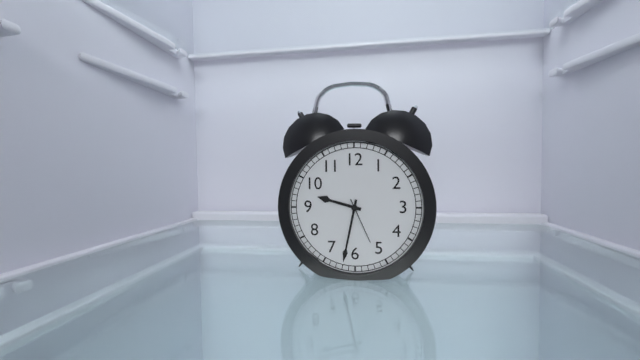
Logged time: 9,32
